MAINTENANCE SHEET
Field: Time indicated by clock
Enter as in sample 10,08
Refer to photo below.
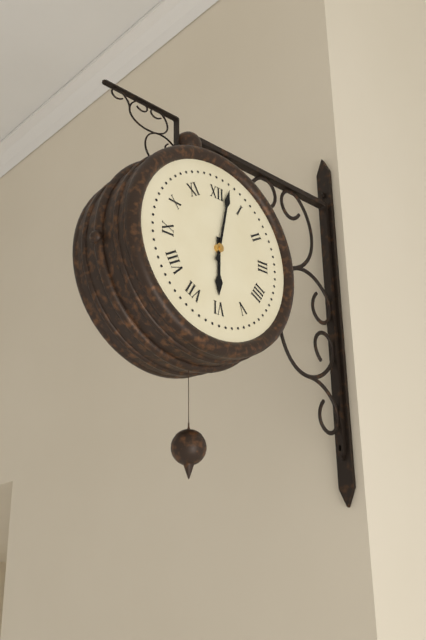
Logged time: 6,02
